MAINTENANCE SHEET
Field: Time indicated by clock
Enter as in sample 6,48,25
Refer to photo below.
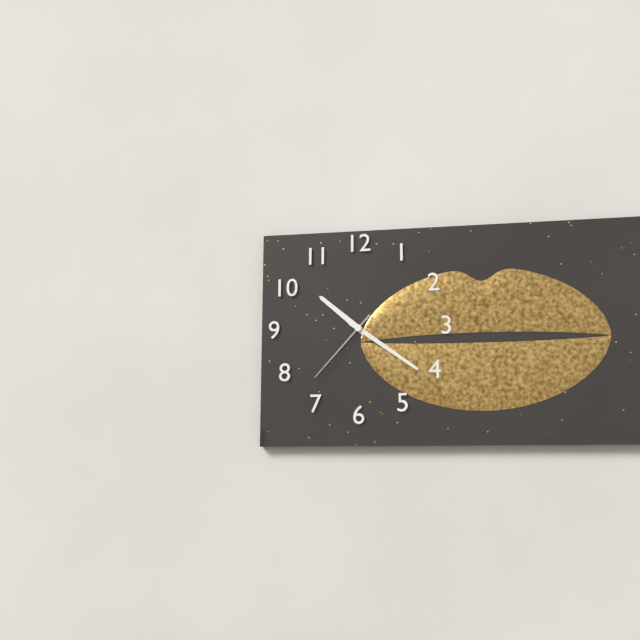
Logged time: 10,21,37
